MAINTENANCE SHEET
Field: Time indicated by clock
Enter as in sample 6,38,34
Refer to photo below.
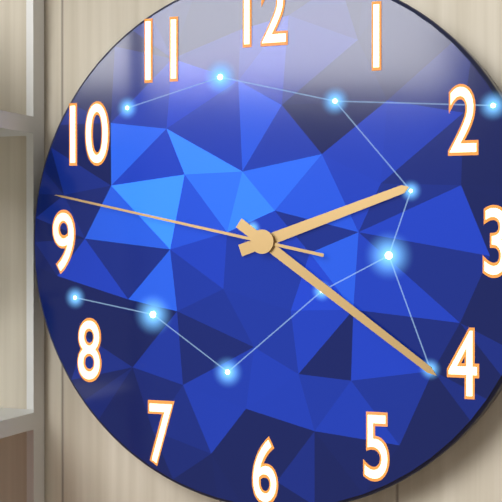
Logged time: 2,21,47
